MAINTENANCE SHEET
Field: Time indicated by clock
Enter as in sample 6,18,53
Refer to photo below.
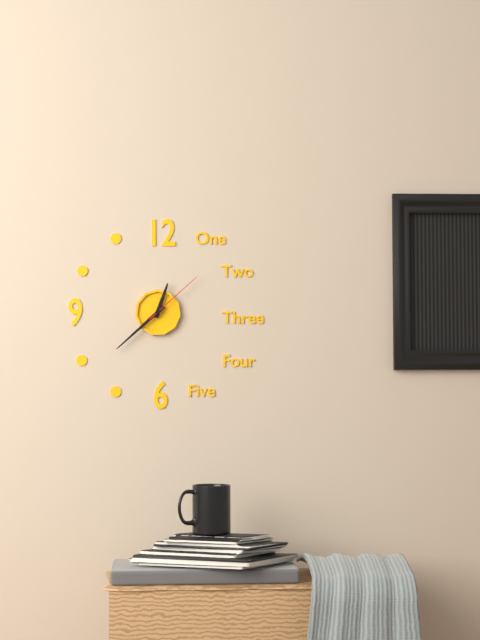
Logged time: 12,38,08
